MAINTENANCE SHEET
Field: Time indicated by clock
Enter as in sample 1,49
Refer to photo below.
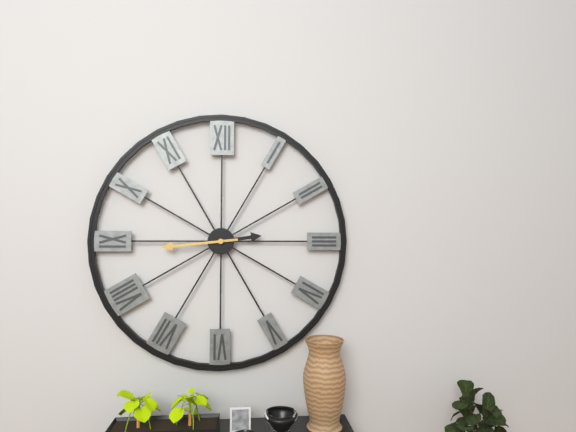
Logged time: 2,44
